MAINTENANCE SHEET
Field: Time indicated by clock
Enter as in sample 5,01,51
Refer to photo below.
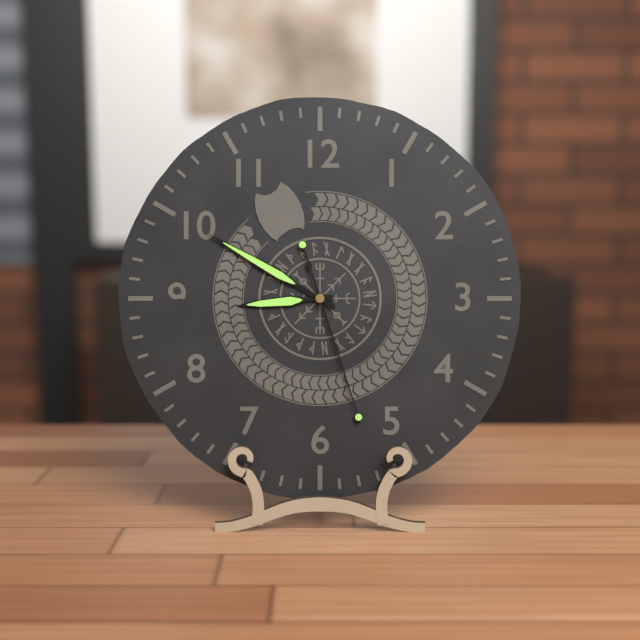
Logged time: 8,50,27
